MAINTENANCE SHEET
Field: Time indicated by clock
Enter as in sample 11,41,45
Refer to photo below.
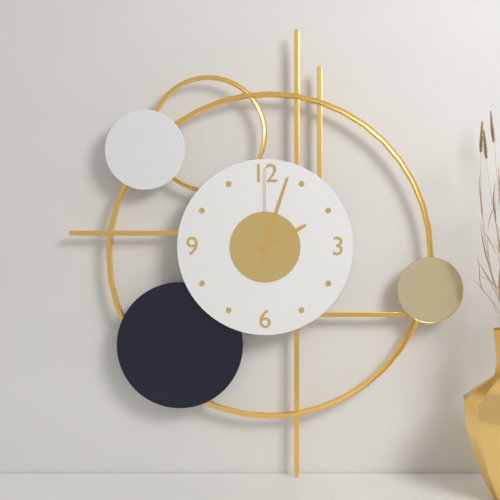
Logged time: 2,03,00
